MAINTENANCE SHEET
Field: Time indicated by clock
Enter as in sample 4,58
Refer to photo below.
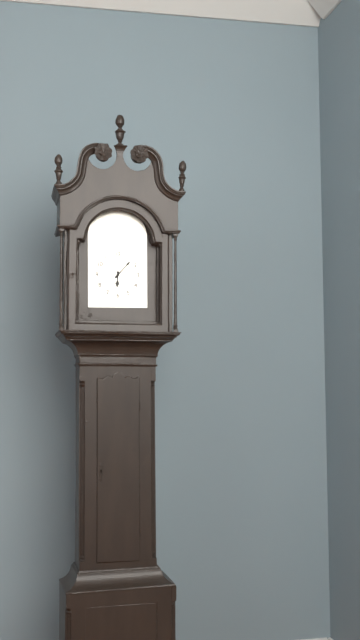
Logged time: 6,07
